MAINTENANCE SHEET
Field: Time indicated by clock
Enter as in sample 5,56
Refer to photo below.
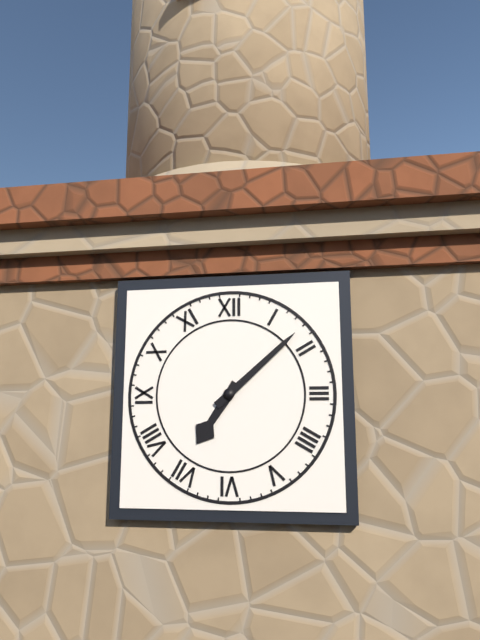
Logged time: 7,08
